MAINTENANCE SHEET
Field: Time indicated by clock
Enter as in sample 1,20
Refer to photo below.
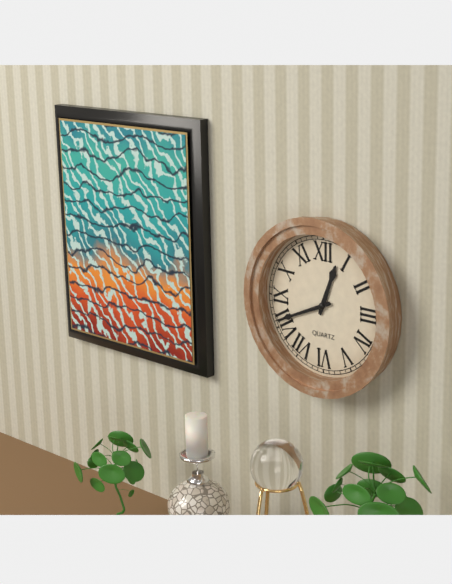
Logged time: 12,41
